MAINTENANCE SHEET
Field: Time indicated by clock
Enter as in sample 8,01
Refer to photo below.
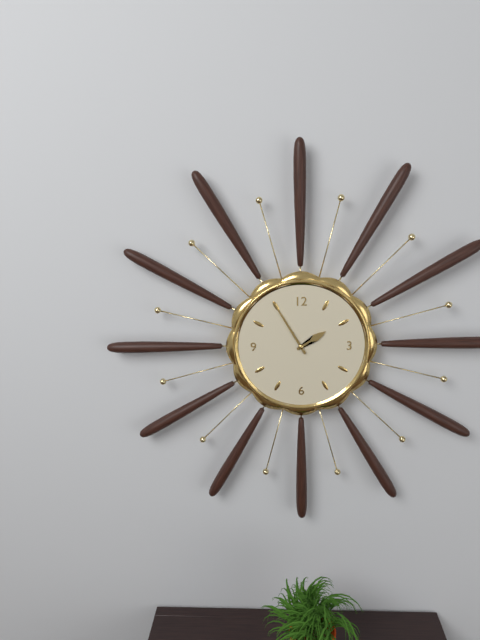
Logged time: 1,55
